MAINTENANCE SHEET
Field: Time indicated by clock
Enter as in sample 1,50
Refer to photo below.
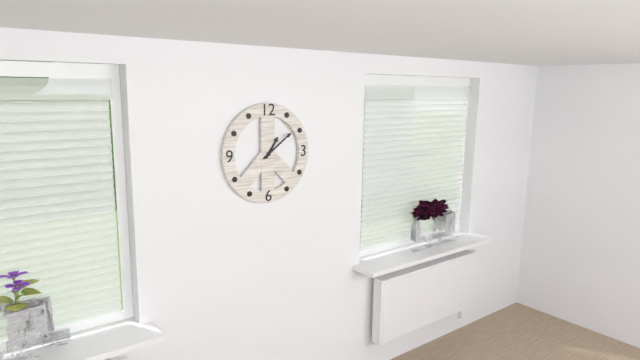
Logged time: 1,09
